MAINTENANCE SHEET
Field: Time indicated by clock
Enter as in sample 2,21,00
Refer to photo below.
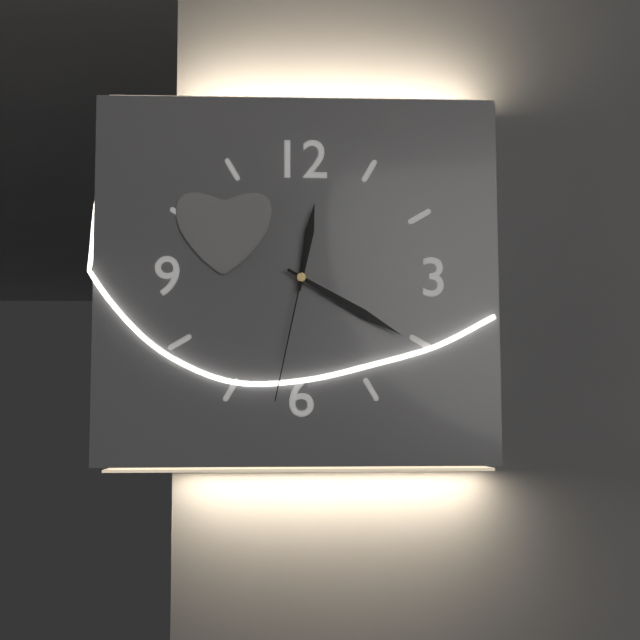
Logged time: 12,20,32
